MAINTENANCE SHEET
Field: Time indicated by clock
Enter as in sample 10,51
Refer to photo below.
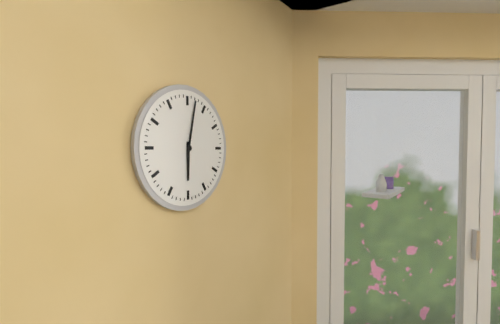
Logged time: 6,02
